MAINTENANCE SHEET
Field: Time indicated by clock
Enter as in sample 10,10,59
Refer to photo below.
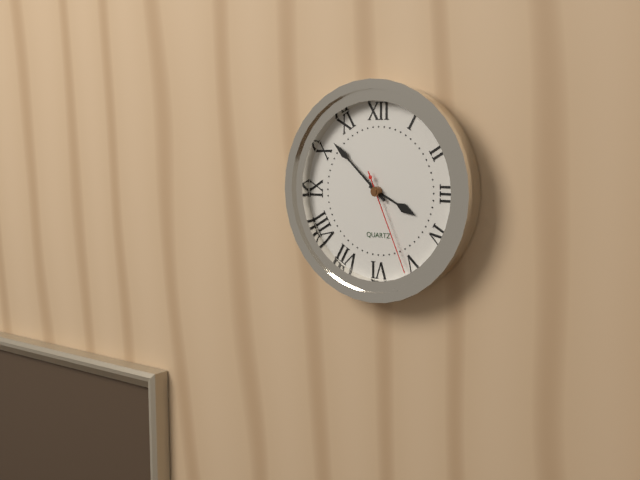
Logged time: 3,52,26
